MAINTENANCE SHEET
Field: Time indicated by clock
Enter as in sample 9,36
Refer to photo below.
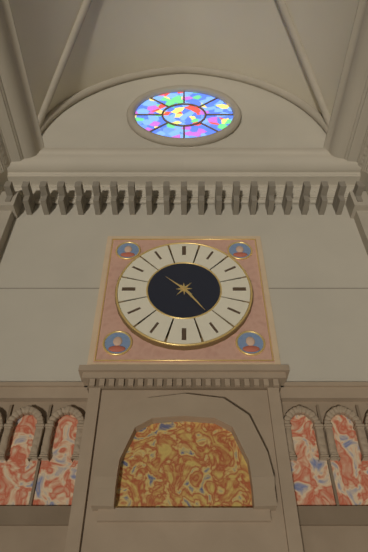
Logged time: 10,24
